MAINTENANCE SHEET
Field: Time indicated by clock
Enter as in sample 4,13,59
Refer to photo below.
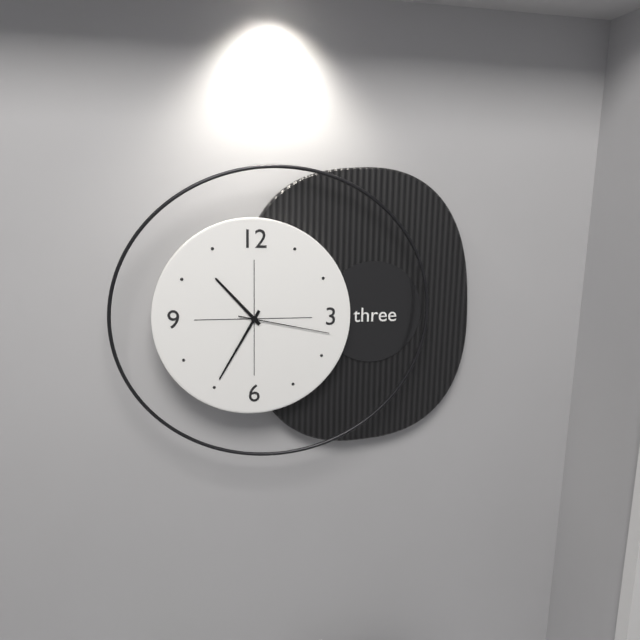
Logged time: 10,35,17
